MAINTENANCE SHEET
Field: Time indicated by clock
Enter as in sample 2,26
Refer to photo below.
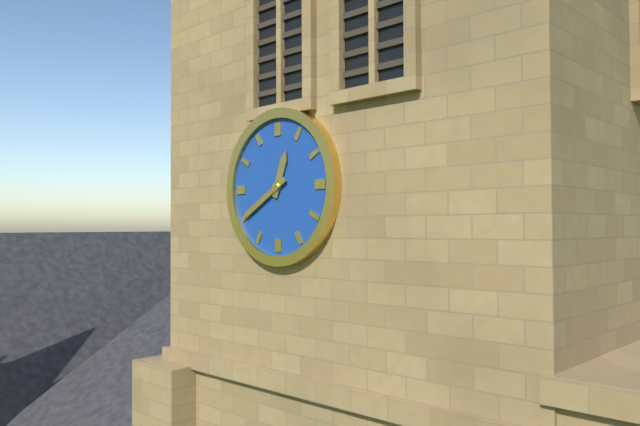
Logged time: 12,40
